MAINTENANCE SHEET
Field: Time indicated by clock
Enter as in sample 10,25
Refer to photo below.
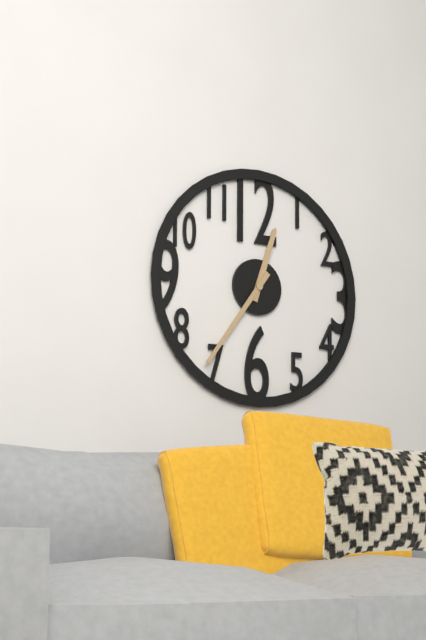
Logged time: 12,36
